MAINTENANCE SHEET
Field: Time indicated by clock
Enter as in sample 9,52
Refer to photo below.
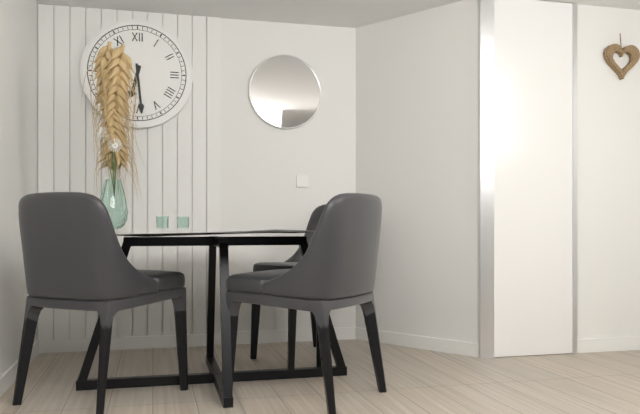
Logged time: 6,29
